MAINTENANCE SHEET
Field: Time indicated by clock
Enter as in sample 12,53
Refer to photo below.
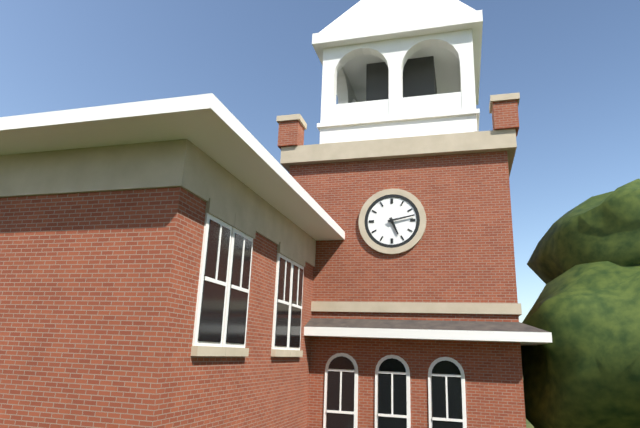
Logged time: 5,13
